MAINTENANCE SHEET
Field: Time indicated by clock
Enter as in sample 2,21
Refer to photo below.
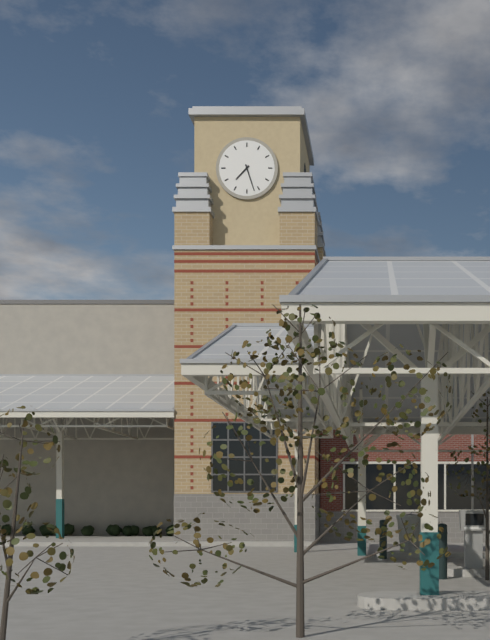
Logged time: 7,27
